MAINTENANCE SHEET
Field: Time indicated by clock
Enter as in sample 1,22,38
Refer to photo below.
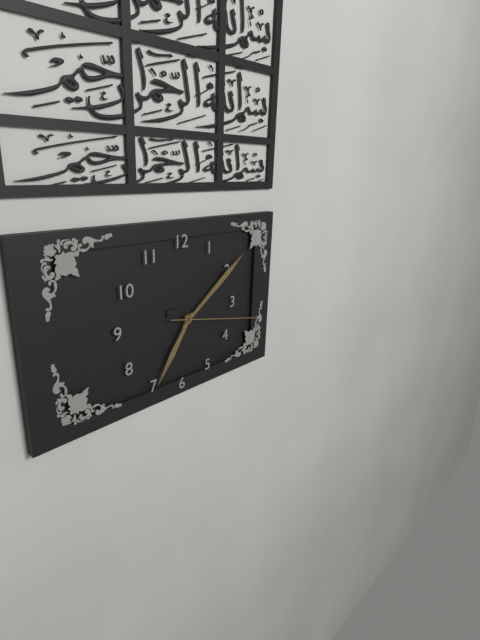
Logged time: 7,09,17
